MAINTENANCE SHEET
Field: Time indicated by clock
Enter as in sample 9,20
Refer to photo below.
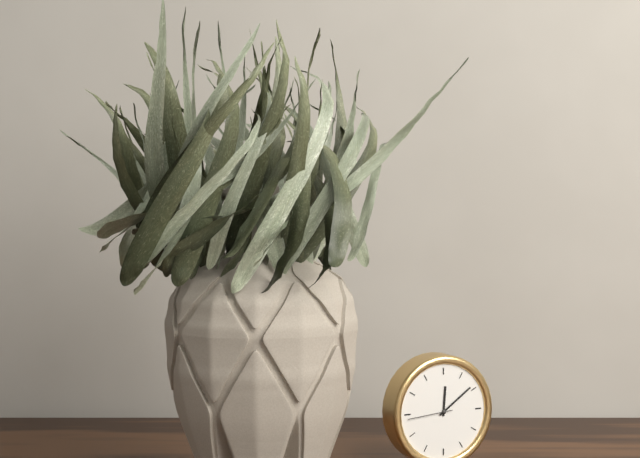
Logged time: 12,09
